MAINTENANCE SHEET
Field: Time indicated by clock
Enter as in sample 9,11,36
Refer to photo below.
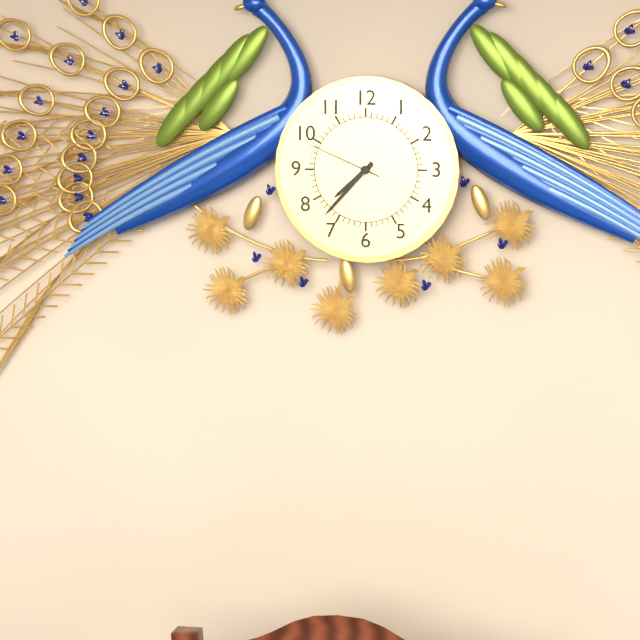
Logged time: 7,37,49
